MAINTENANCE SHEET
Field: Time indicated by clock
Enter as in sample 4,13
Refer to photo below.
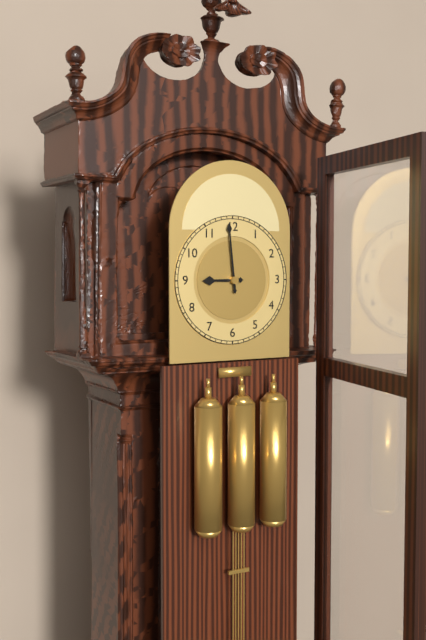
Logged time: 8,59
